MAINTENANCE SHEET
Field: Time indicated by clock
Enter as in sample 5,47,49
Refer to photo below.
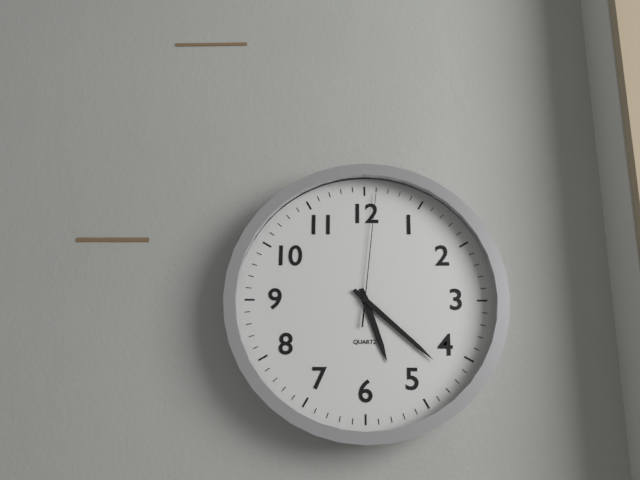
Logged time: 5,22,01
